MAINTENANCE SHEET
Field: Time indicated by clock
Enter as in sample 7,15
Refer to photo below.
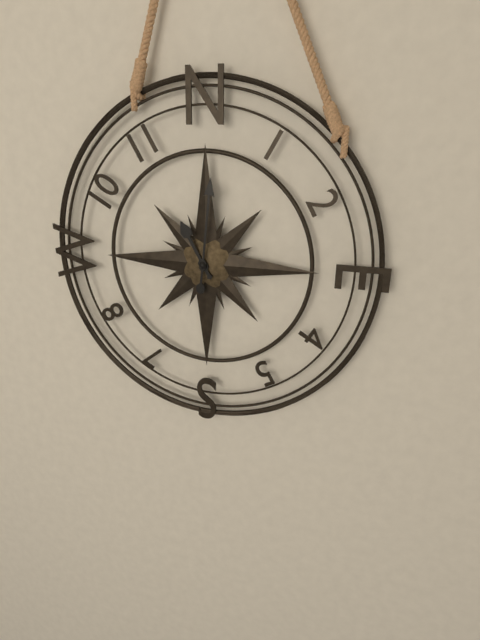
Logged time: 11,01
